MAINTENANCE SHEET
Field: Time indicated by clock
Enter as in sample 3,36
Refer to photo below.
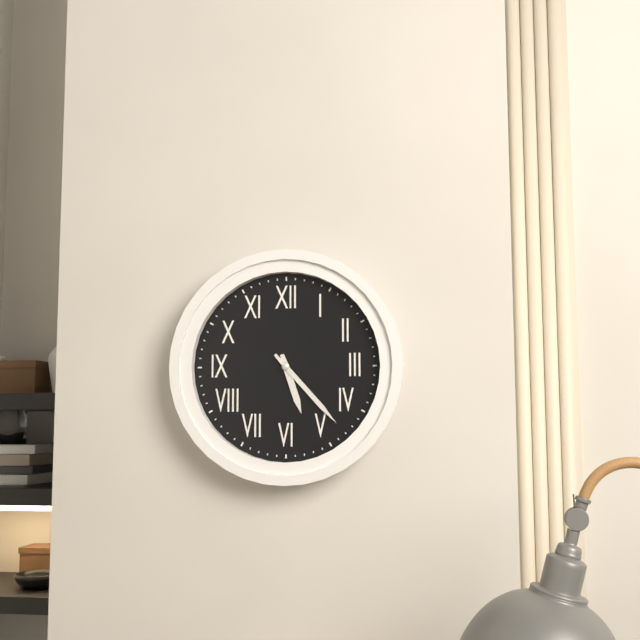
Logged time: 5,23
